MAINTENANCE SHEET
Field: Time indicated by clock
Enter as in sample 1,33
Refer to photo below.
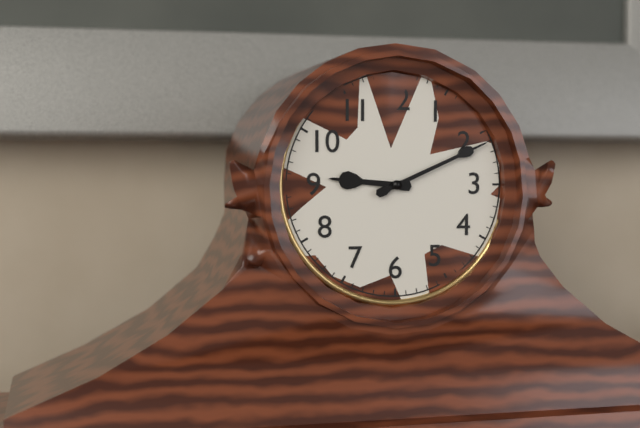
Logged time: 9,11
